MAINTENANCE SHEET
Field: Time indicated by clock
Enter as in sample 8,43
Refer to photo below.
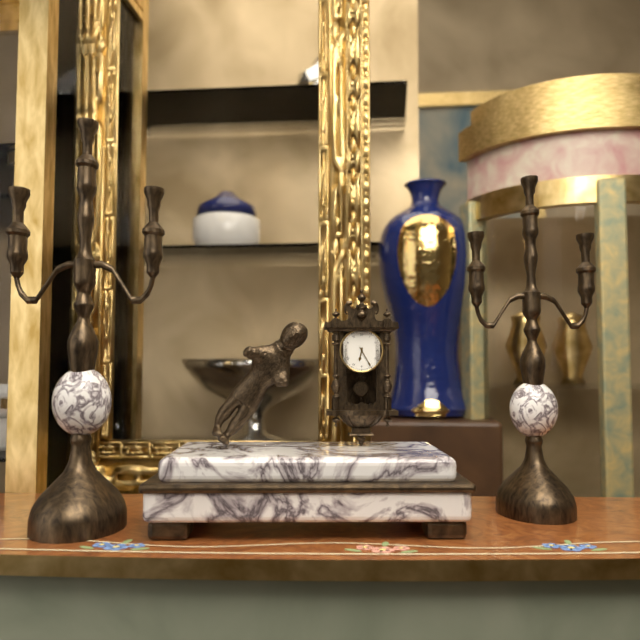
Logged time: 6,25
